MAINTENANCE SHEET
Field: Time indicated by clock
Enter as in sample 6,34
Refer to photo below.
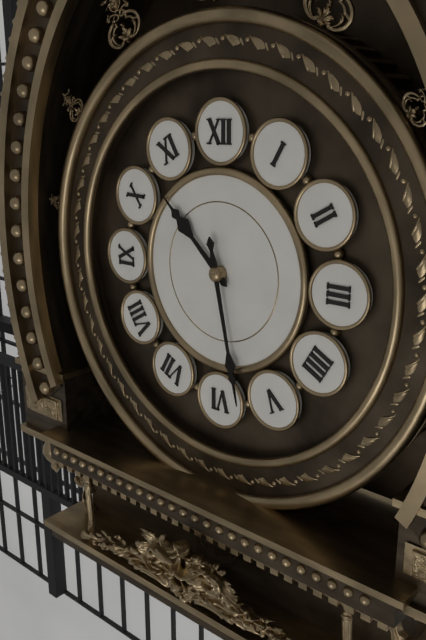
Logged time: 10,28
